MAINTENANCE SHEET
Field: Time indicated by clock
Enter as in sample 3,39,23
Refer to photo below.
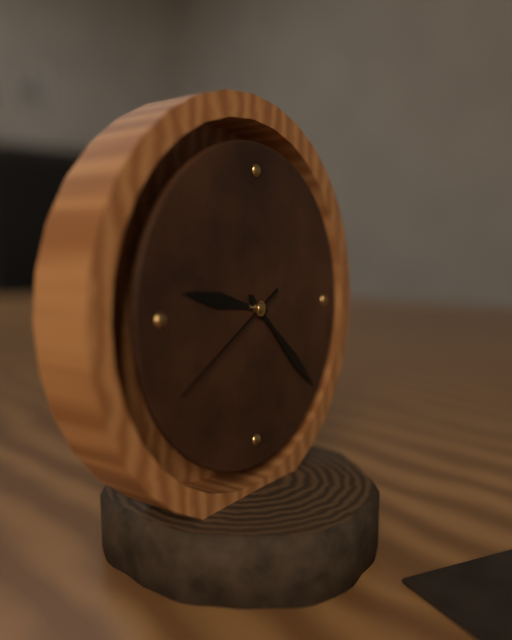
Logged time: 9,22,40
